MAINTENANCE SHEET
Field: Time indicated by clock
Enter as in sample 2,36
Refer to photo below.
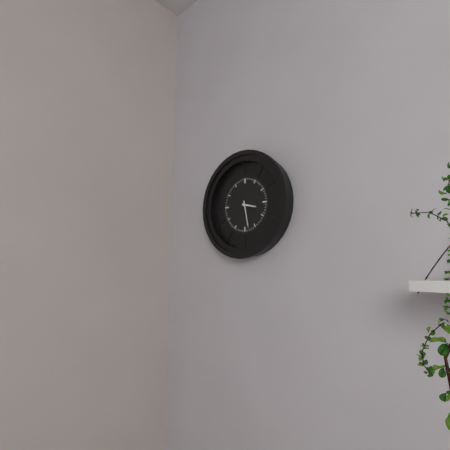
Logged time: 3,28
